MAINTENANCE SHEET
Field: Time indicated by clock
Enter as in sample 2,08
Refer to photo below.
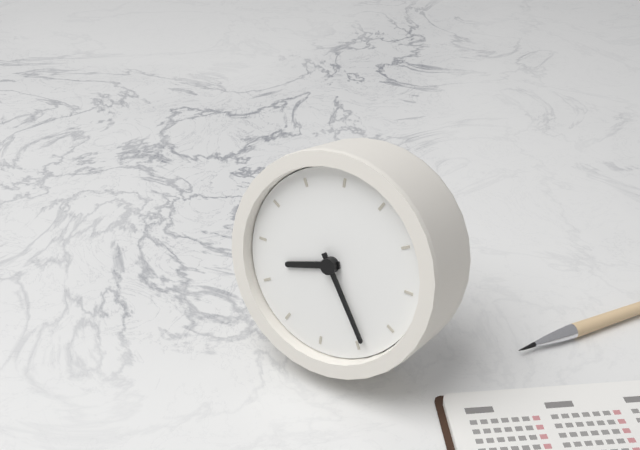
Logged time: 8,24
